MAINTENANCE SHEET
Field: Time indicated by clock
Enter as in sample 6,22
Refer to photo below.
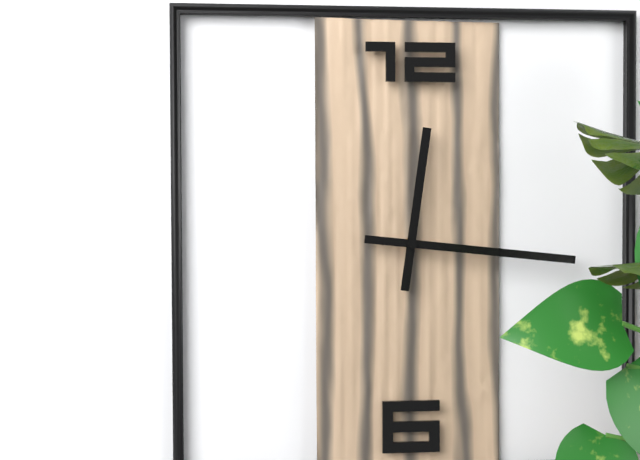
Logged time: 12,16
